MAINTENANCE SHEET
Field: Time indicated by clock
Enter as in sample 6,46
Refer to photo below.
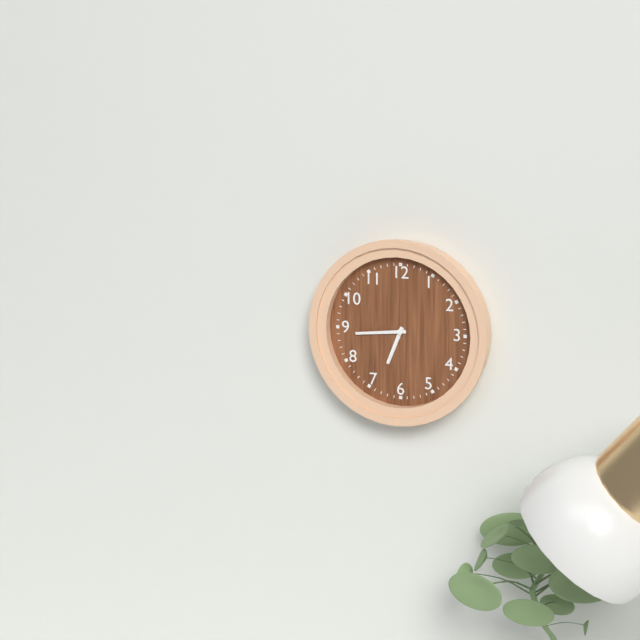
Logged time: 6,44
